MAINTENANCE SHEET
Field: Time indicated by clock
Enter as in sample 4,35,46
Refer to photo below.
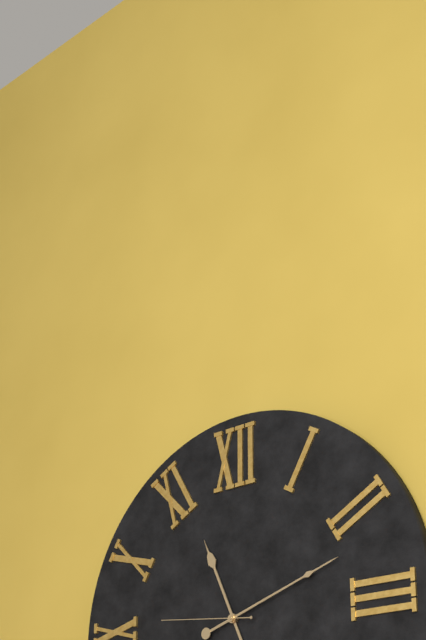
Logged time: 11,12,46
